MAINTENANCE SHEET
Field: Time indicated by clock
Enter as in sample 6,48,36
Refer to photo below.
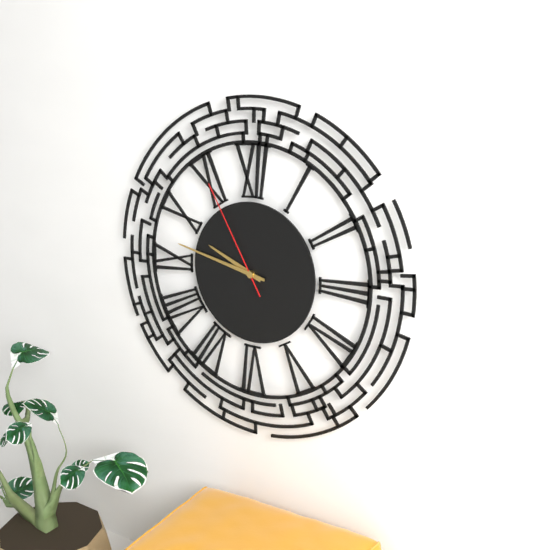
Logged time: 9,47,55
